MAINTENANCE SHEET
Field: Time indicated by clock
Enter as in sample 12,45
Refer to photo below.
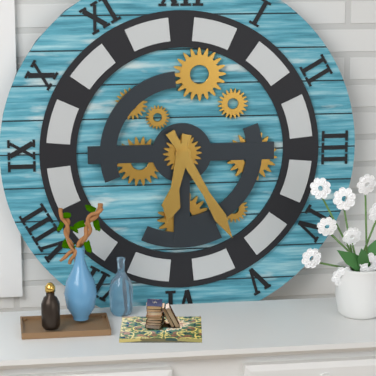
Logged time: 6,25
